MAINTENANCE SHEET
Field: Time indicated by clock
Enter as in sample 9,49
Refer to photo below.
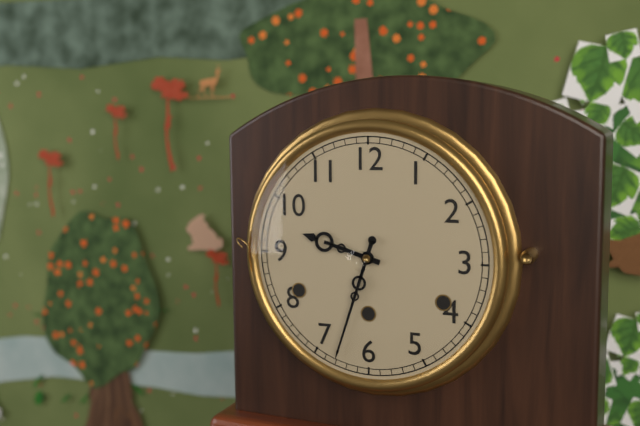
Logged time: 9,33
